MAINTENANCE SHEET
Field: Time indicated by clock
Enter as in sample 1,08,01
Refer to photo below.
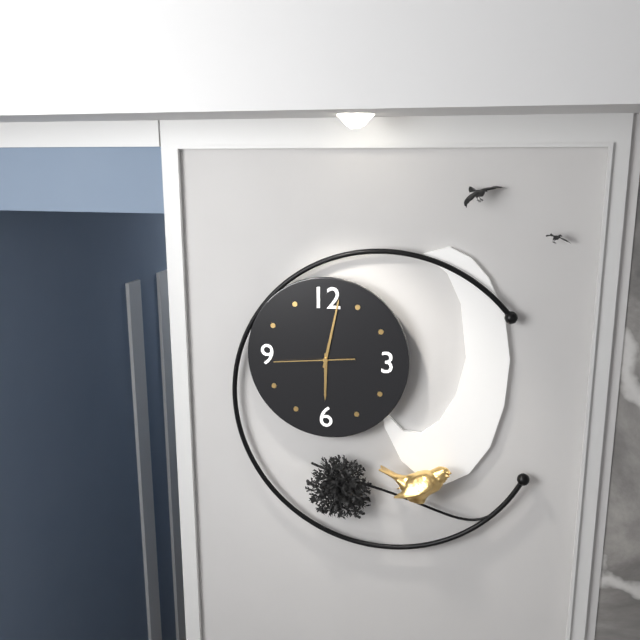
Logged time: 6,02,44
